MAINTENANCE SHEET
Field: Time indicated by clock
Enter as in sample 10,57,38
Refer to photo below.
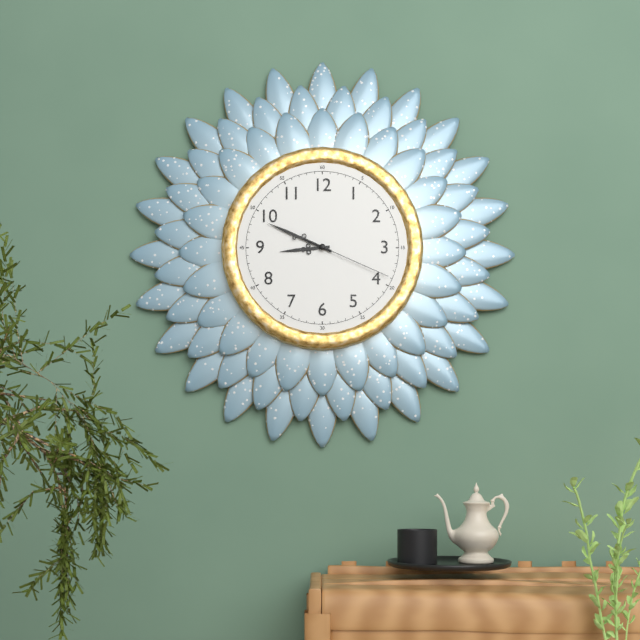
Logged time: 8,49,19
